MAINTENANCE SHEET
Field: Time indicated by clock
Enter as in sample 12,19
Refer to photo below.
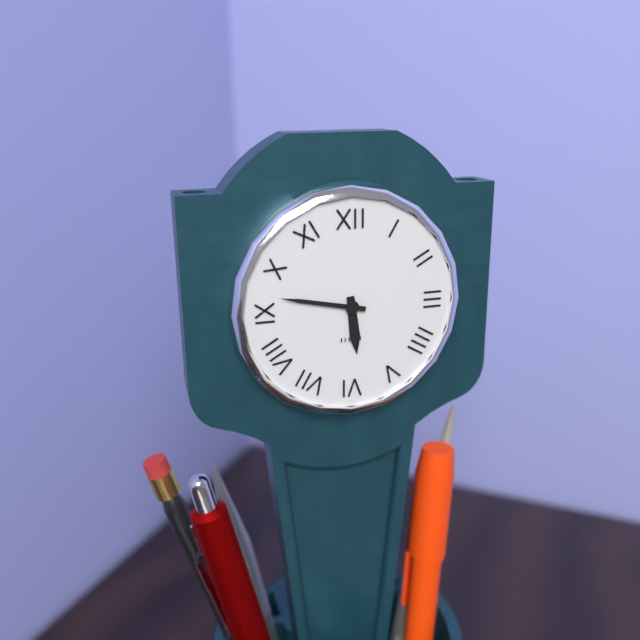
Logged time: 5,47
